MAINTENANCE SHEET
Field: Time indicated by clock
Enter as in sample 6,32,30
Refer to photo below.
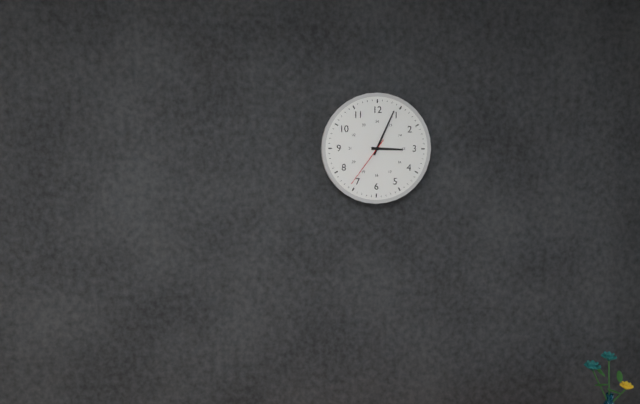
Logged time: 3,04,36
